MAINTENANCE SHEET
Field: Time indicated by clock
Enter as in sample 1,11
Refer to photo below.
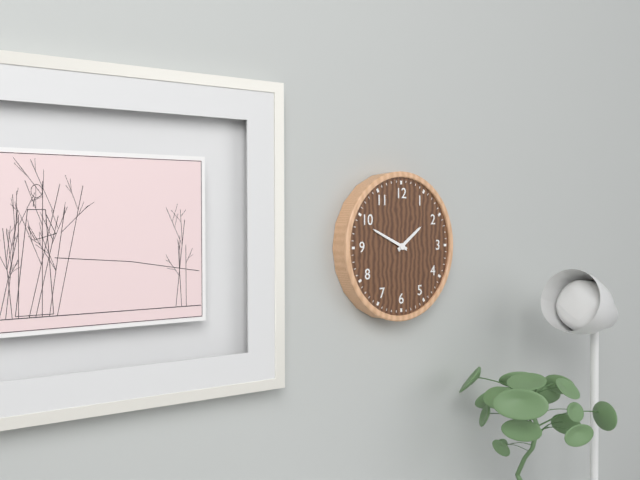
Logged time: 1,49
